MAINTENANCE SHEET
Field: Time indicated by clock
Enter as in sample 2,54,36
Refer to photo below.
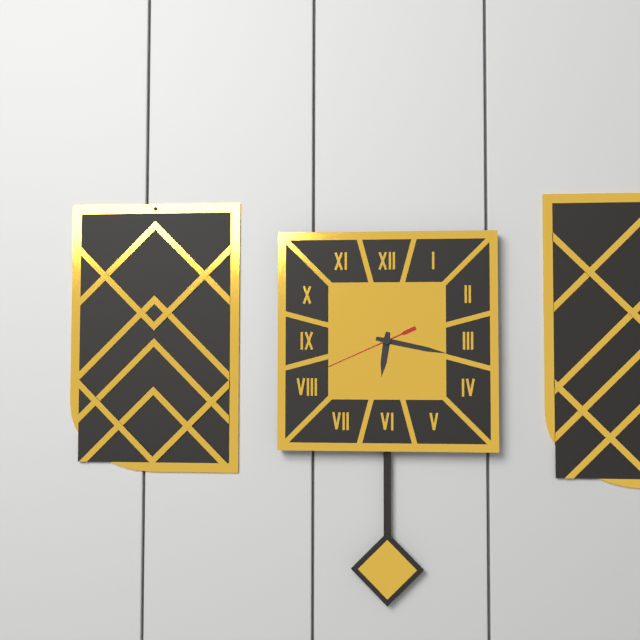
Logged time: 6,17,41
